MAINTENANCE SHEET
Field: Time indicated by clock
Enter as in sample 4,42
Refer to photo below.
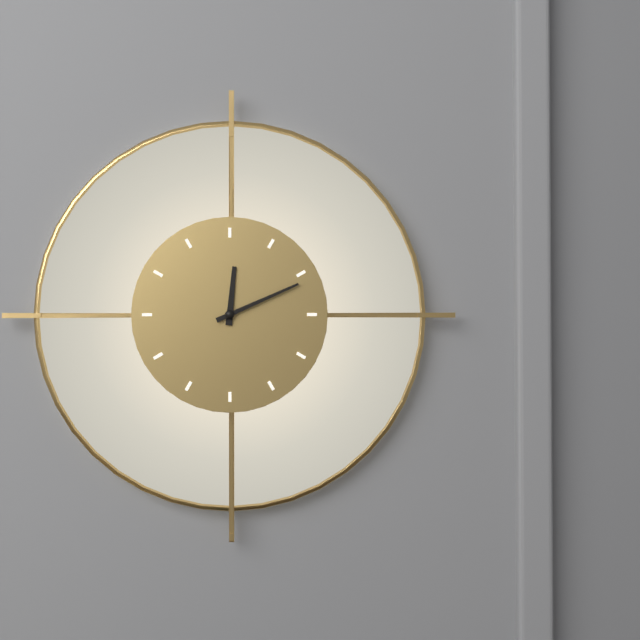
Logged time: 12,11
